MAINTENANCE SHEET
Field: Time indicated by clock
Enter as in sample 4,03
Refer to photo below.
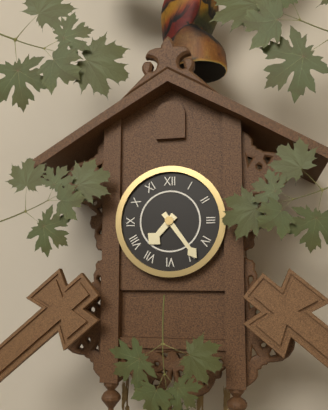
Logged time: 7,24
